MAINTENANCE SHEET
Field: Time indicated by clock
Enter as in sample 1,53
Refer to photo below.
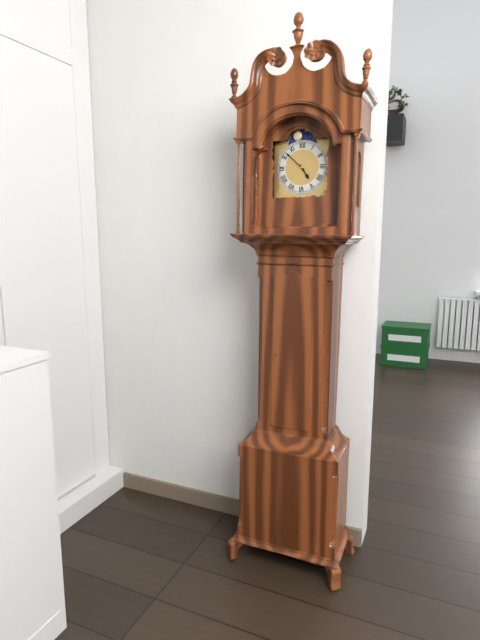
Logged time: 4,52
